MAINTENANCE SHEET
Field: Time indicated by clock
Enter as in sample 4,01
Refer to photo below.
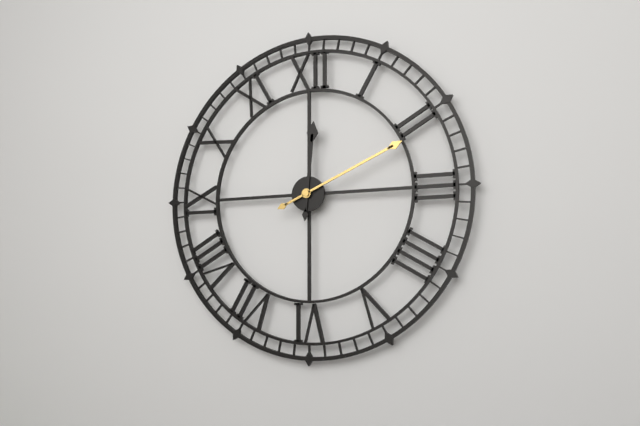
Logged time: 12,11
